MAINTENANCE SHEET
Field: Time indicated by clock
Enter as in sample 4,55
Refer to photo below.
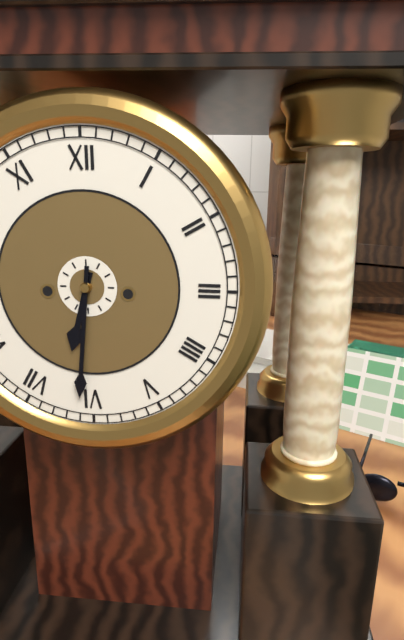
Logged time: 6,31
